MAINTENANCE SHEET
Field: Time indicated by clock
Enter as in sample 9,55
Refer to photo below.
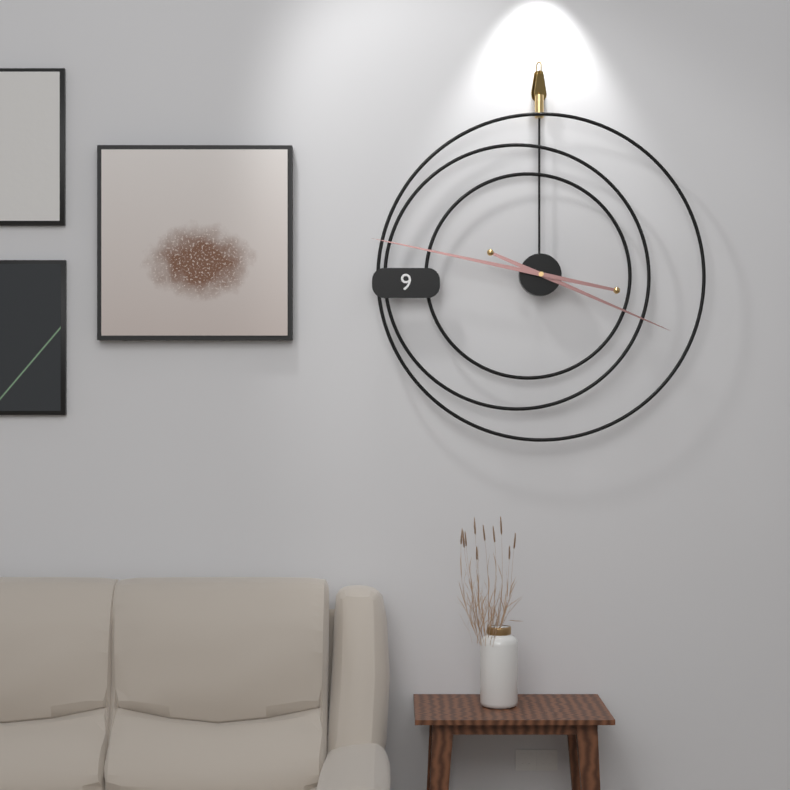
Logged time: 3,47
